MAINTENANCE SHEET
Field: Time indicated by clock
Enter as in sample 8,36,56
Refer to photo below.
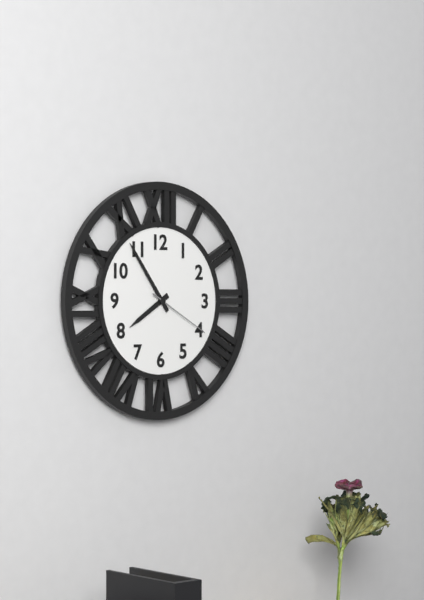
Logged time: 7,54,20
